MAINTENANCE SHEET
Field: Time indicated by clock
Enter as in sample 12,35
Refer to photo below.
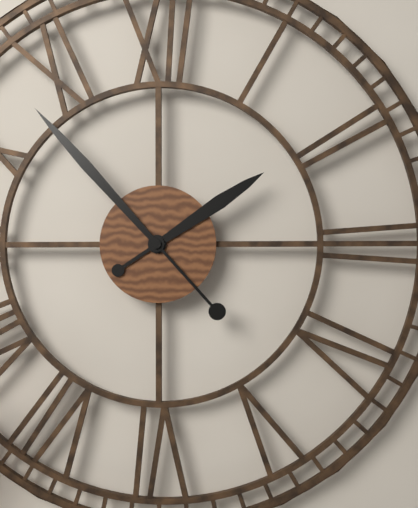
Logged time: 1,53
